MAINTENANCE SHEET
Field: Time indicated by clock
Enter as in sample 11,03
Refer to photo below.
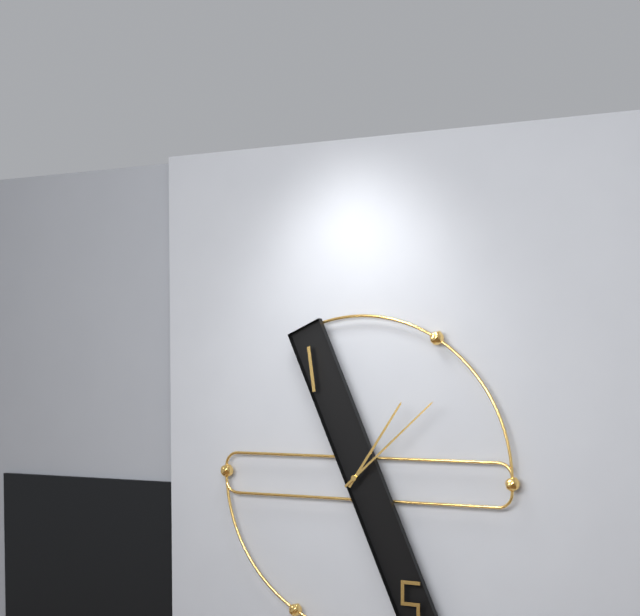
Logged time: 1,08
